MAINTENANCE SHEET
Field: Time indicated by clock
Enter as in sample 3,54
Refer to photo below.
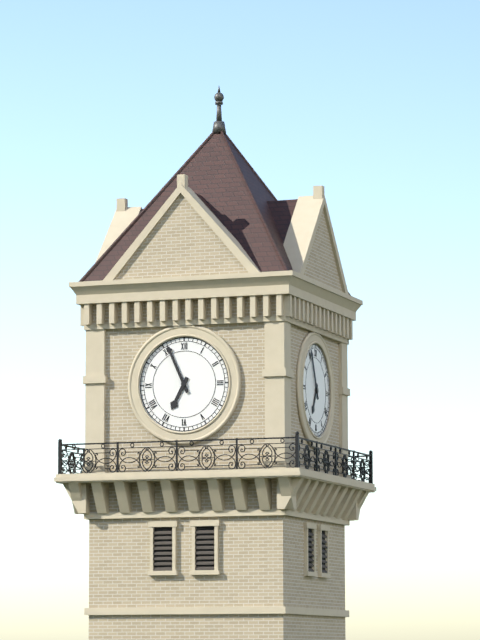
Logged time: 6,56
